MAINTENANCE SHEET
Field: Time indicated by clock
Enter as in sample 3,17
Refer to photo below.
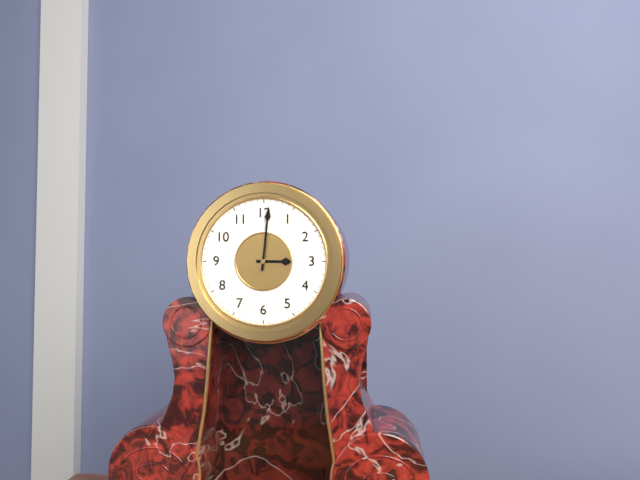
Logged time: 3,01
